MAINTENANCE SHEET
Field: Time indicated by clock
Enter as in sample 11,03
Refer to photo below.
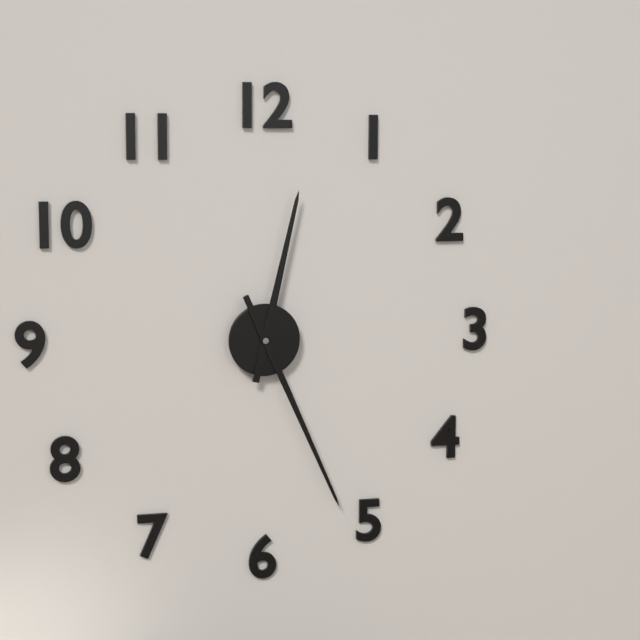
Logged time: 12,26
